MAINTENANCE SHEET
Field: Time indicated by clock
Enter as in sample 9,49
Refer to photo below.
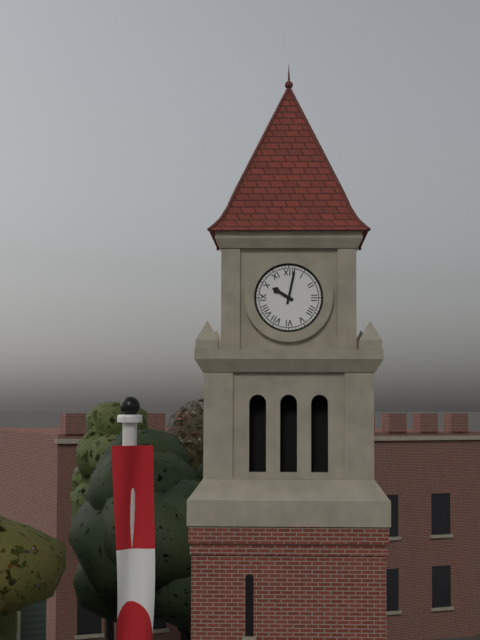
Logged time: 10,02
